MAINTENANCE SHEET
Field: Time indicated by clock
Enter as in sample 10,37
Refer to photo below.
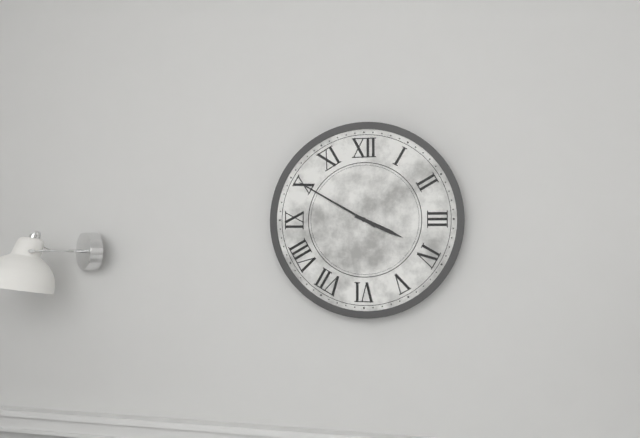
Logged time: 3,50
